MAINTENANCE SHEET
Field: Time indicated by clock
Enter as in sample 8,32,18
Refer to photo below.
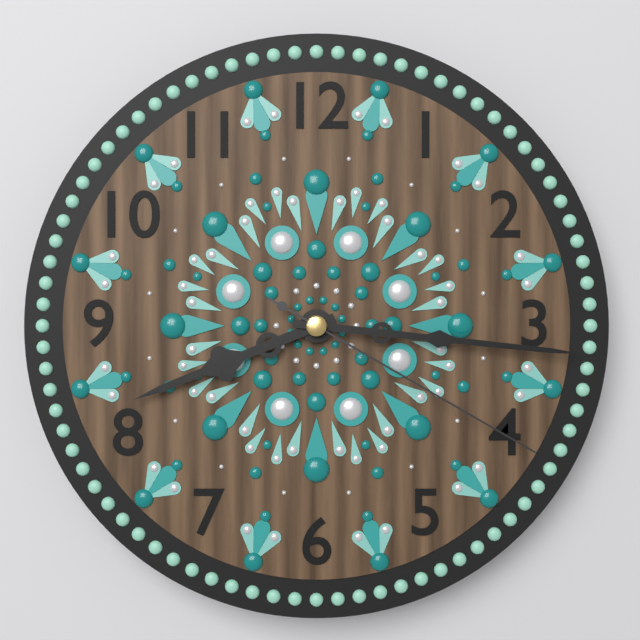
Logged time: 8,16,20
